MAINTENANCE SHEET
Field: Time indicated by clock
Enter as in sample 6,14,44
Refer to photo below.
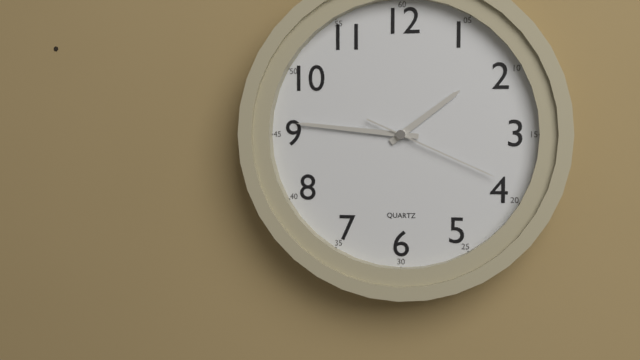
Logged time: 1,46,19
